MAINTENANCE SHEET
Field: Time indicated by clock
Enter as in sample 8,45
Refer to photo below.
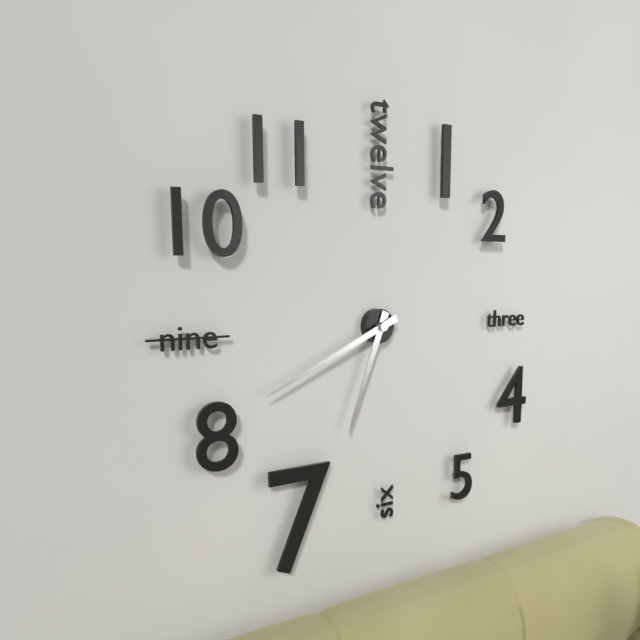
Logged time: 6,41
